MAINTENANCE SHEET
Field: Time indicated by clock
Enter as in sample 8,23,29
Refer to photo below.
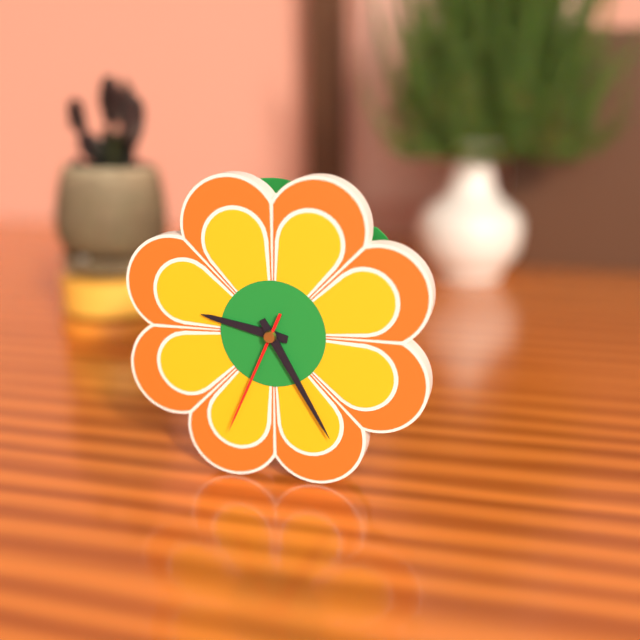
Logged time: 9,25,34
